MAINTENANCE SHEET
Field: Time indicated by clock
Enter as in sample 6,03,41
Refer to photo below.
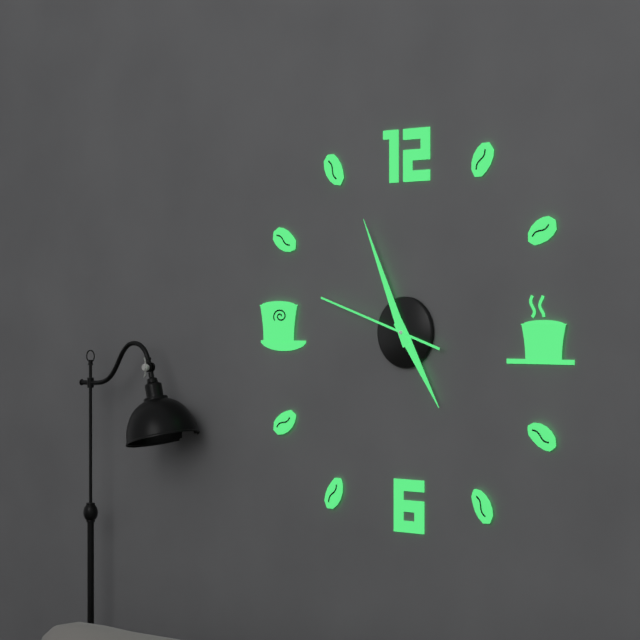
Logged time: 4,56,48
